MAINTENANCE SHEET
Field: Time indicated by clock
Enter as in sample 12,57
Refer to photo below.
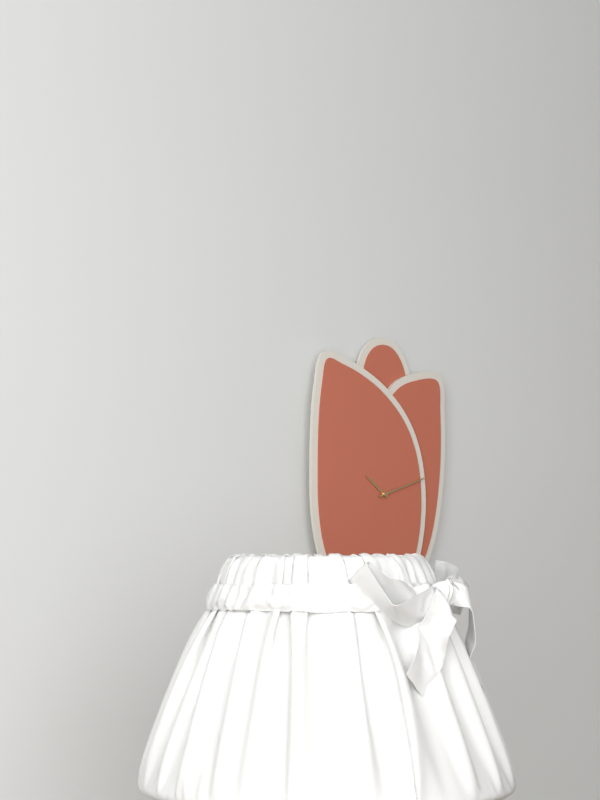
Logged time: 10,12
